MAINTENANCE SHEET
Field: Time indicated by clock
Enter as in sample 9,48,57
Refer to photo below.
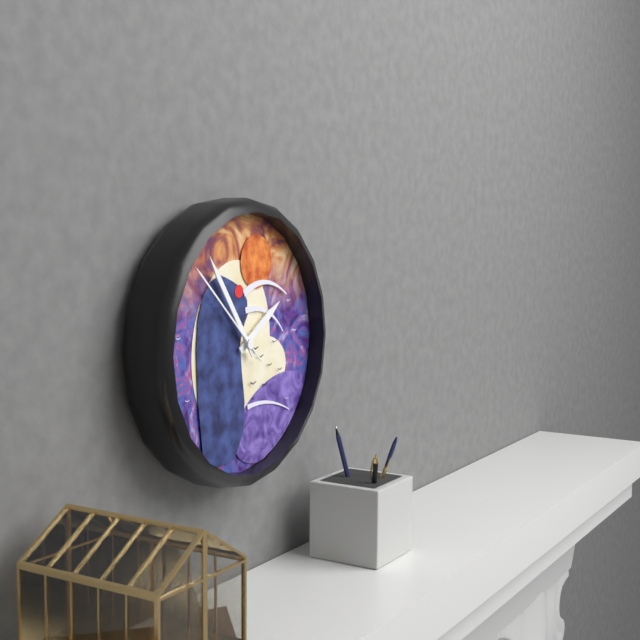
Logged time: 1,54,52
